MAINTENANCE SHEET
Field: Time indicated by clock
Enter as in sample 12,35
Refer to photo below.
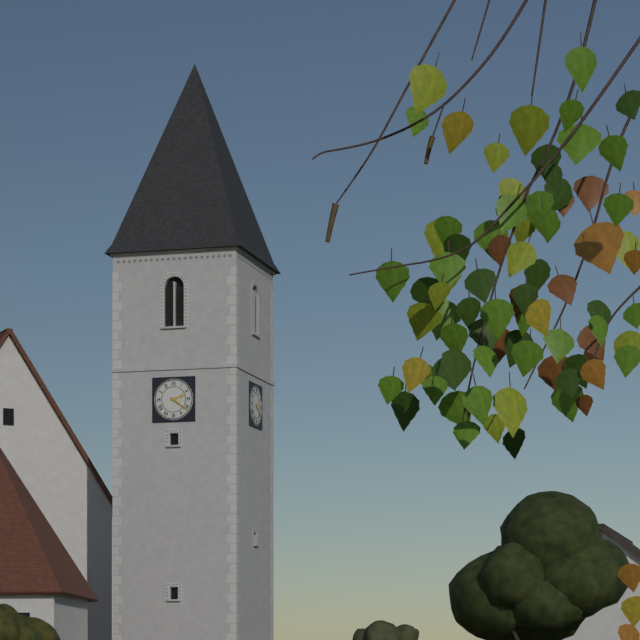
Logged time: 2,21
